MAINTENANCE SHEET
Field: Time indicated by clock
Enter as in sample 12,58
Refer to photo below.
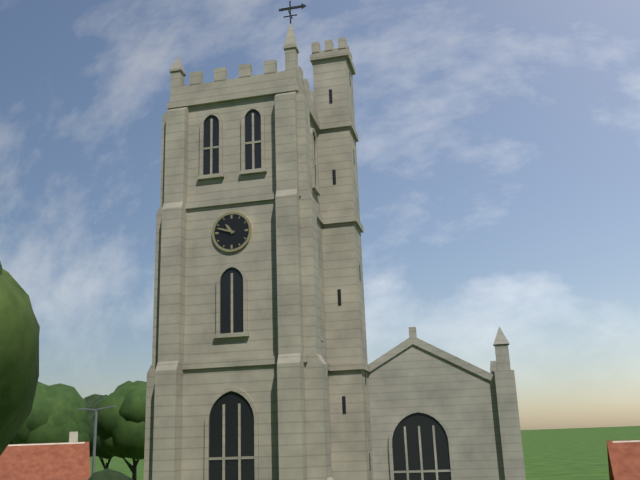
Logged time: 10,48
